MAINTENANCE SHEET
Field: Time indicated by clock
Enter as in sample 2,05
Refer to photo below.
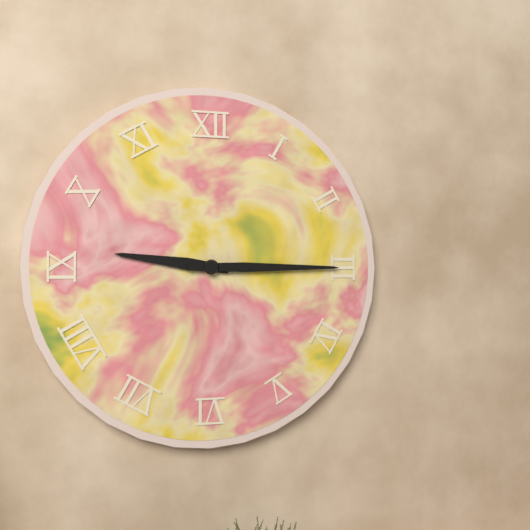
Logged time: 9,15
